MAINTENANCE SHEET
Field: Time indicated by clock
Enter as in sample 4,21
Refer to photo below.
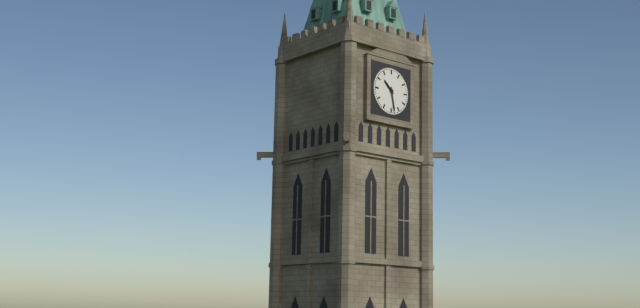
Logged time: 10,28
